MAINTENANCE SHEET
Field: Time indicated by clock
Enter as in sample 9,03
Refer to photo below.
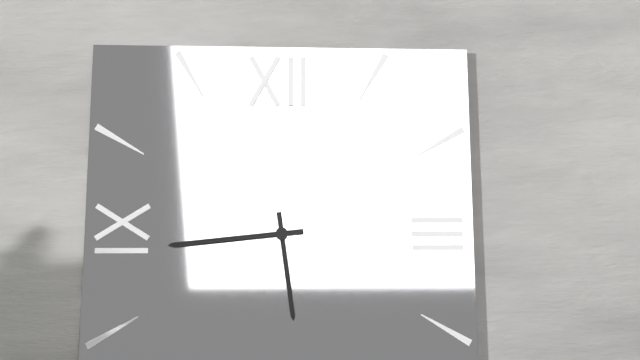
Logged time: 5,44
